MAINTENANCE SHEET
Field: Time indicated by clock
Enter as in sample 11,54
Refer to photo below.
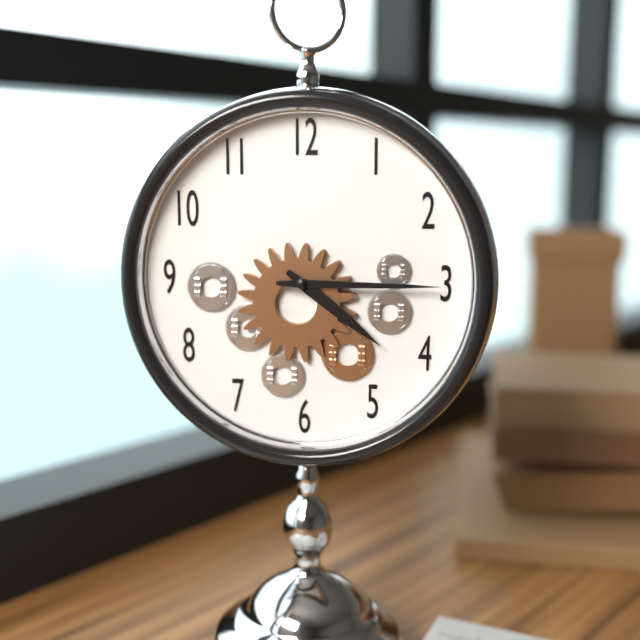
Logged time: 4,15
